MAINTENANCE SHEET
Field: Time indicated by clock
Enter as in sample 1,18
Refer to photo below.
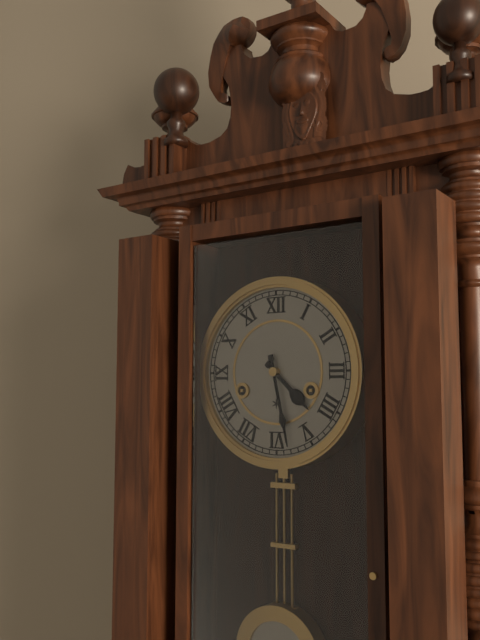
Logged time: 4,28
